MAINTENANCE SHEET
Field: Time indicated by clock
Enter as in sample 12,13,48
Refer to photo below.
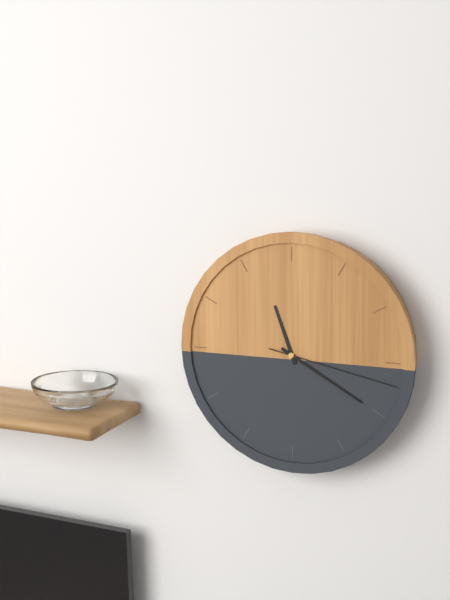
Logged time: 11,20,17
